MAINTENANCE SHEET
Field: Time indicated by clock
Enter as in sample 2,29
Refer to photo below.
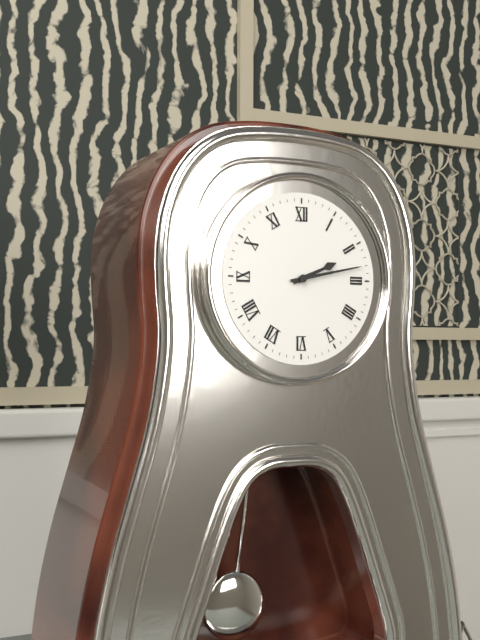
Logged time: 2,13
